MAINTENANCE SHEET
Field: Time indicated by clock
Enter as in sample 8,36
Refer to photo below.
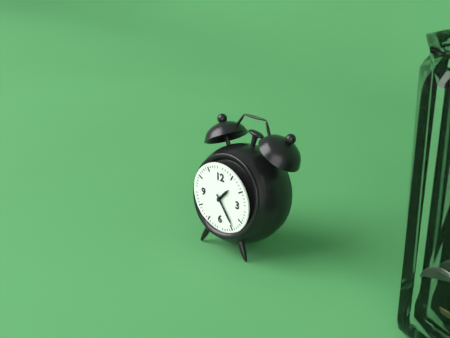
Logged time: 1,24
